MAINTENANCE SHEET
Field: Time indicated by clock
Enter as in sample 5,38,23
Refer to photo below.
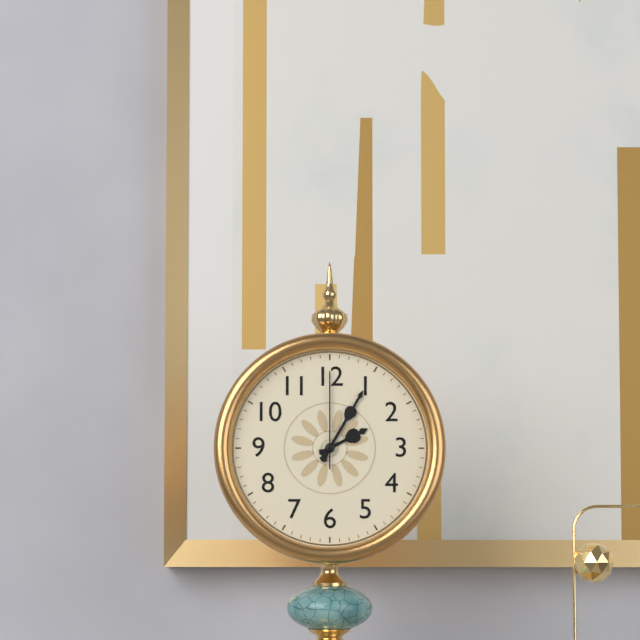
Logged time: 2,05,00
